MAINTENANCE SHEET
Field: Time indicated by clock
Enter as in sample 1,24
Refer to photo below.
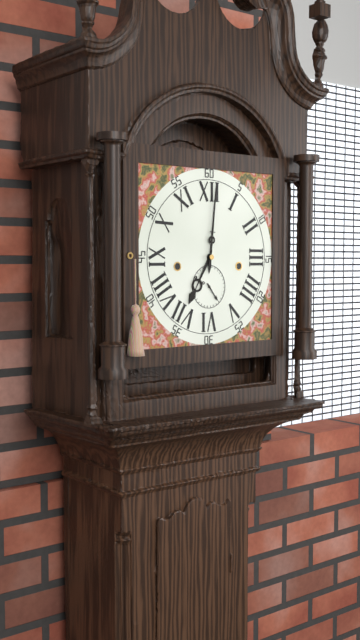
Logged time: 7,01
